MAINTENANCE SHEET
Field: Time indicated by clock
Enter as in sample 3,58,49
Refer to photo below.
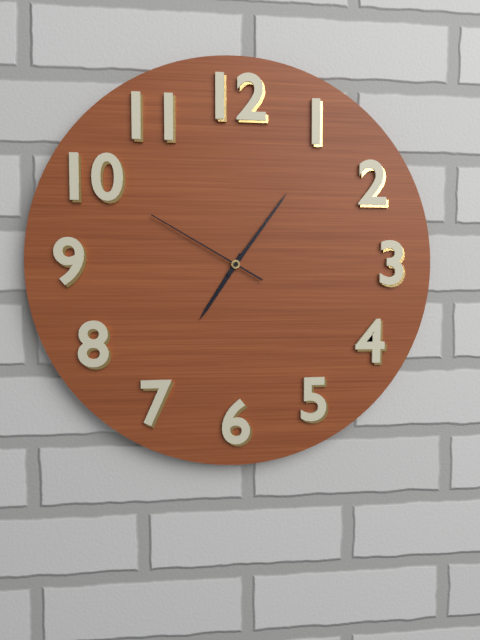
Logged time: 7,06,50
